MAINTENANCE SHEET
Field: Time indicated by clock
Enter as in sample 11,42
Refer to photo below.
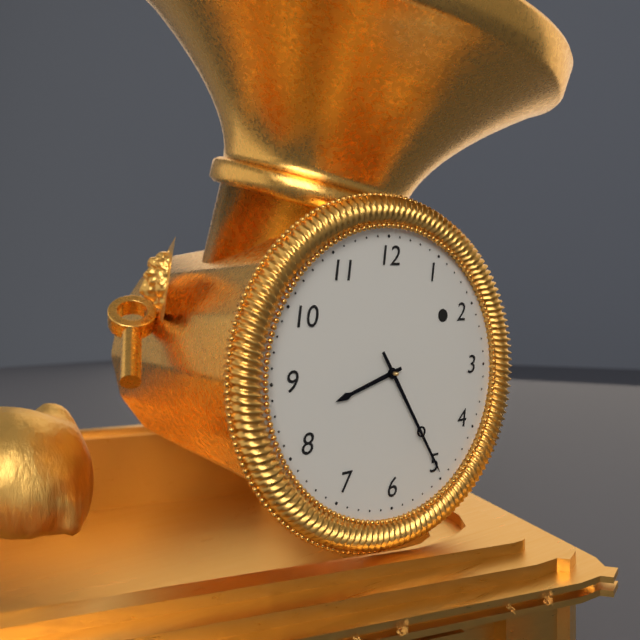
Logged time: 8,25
